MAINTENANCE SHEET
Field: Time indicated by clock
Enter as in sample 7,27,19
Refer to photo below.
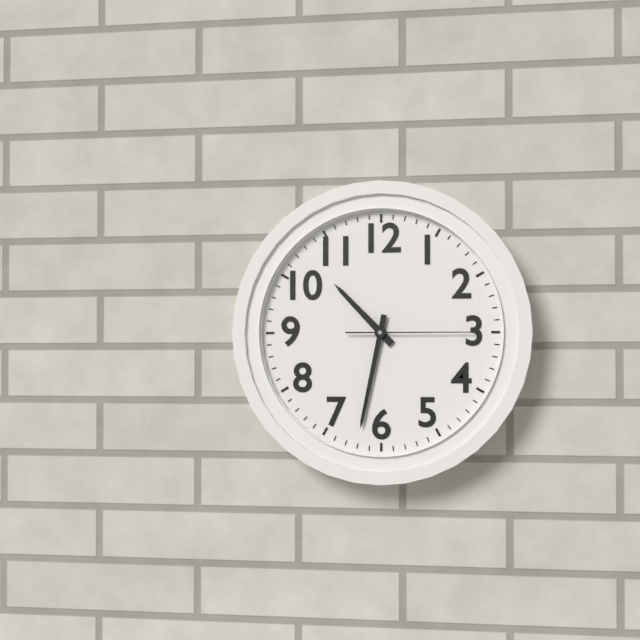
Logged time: 10,32,15
